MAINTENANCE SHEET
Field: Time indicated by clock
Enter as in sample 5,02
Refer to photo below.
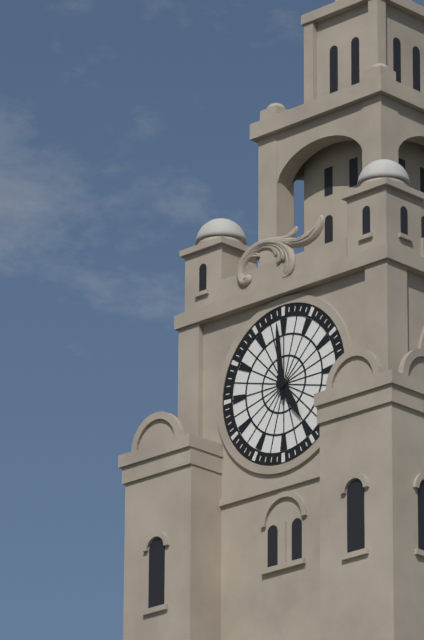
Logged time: 4,59
